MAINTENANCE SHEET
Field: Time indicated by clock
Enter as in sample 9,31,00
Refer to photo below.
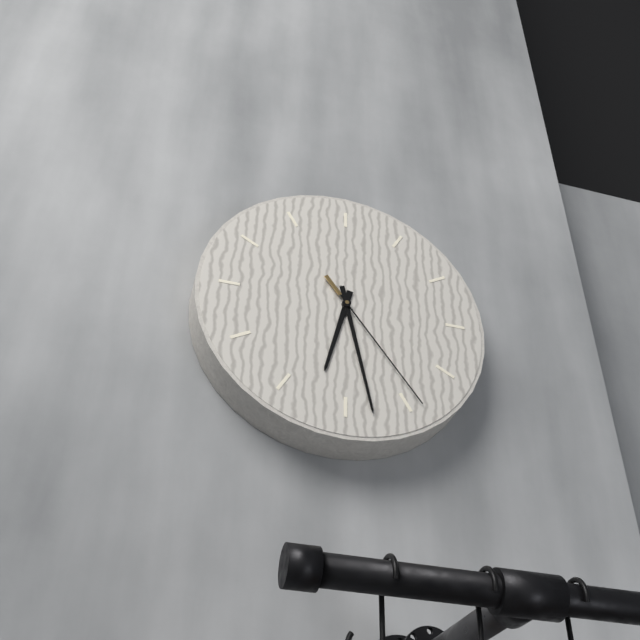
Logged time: 6,28,24
